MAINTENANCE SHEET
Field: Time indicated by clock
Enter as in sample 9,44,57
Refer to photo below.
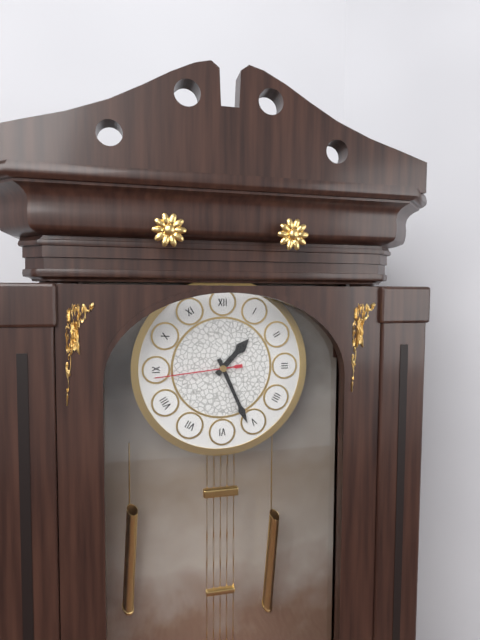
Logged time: 1,26,44
